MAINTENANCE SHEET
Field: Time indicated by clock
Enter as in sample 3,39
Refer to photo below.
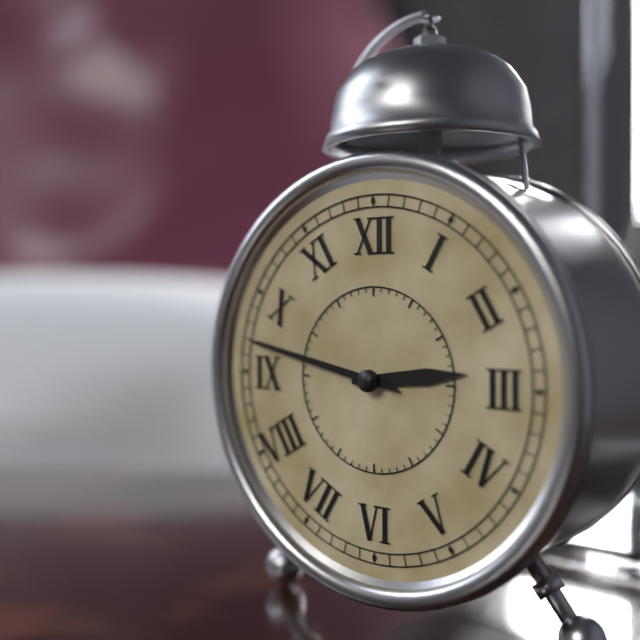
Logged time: 2,47
